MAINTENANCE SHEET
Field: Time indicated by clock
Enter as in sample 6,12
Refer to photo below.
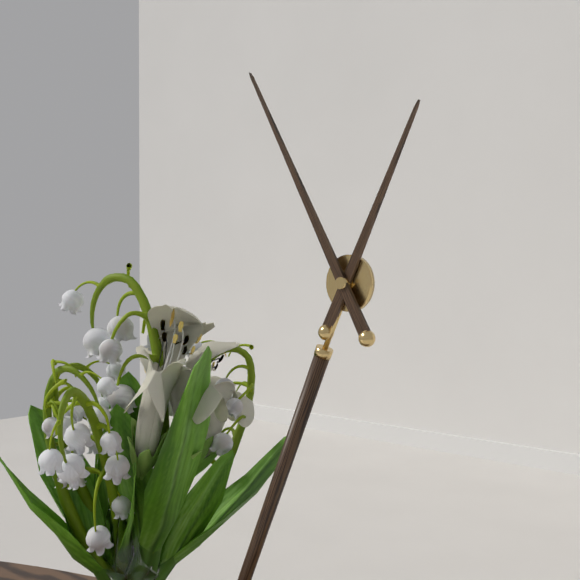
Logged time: 12,55
